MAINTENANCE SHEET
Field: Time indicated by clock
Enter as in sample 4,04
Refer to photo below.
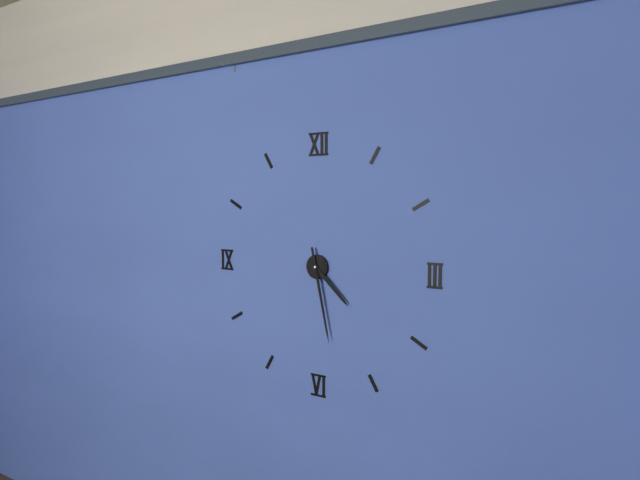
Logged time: 4,28
